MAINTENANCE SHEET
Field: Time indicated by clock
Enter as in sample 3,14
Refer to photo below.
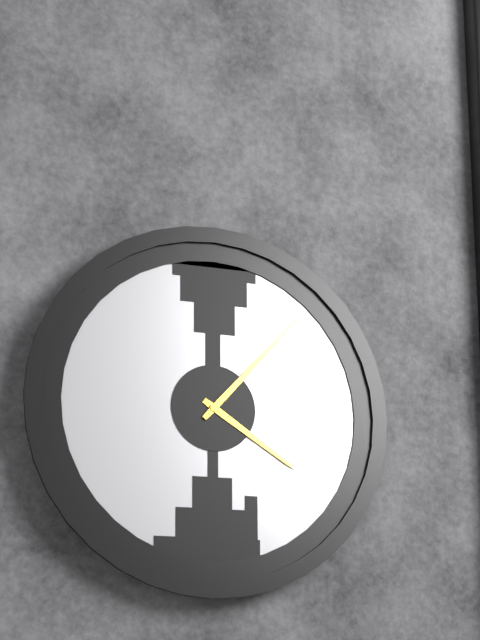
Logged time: 4,07
